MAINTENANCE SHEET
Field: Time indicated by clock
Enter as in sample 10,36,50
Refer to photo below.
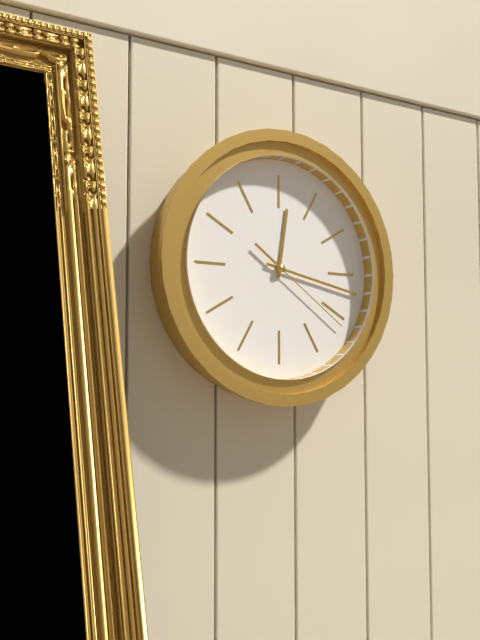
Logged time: 12,17,21
